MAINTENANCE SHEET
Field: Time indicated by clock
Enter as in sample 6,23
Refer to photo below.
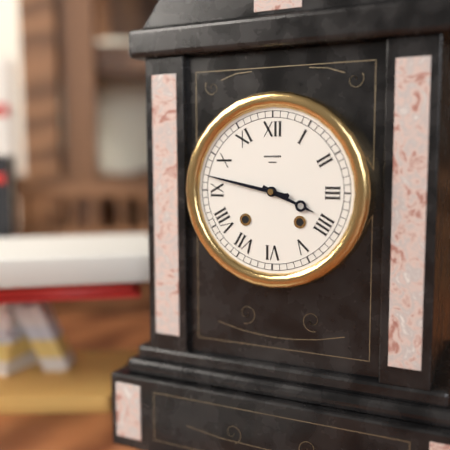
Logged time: 3,47
